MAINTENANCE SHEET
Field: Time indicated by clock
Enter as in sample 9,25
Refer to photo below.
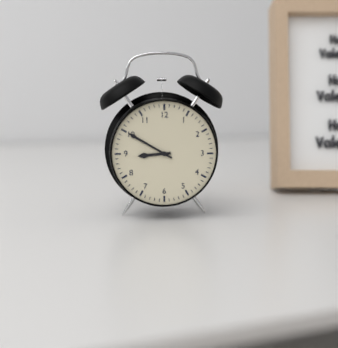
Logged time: 8,50
